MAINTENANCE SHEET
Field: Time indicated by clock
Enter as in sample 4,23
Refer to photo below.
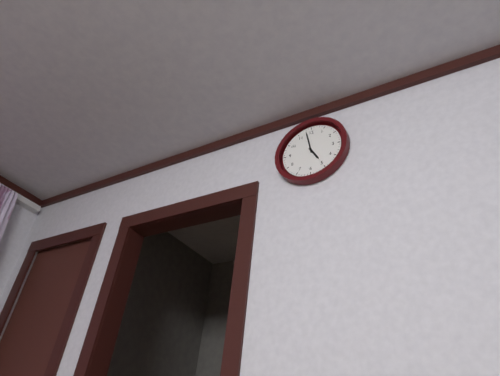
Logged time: 4,58
